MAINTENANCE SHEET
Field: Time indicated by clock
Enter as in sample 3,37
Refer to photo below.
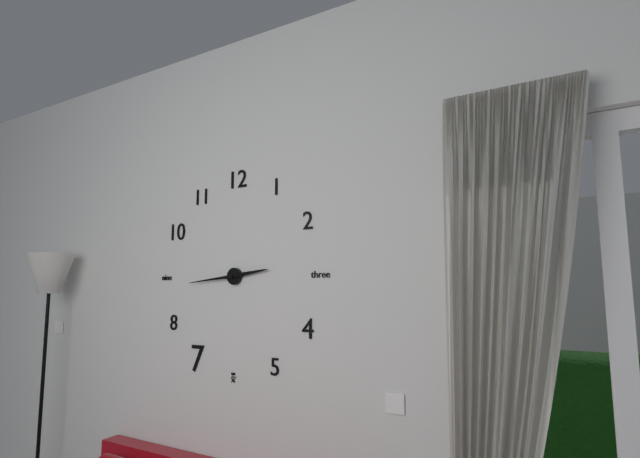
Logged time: 2,44
